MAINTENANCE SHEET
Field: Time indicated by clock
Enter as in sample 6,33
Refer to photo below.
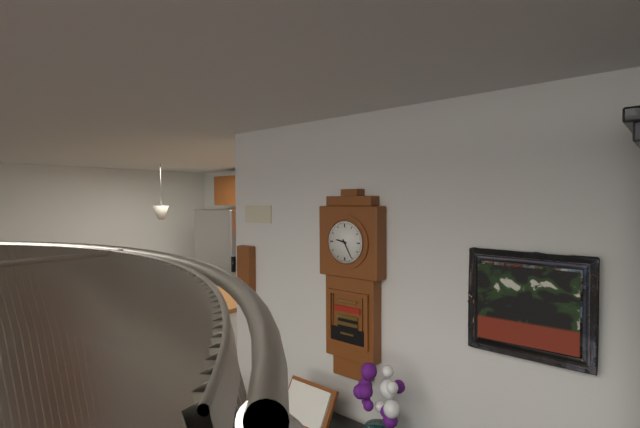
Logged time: 9,25
